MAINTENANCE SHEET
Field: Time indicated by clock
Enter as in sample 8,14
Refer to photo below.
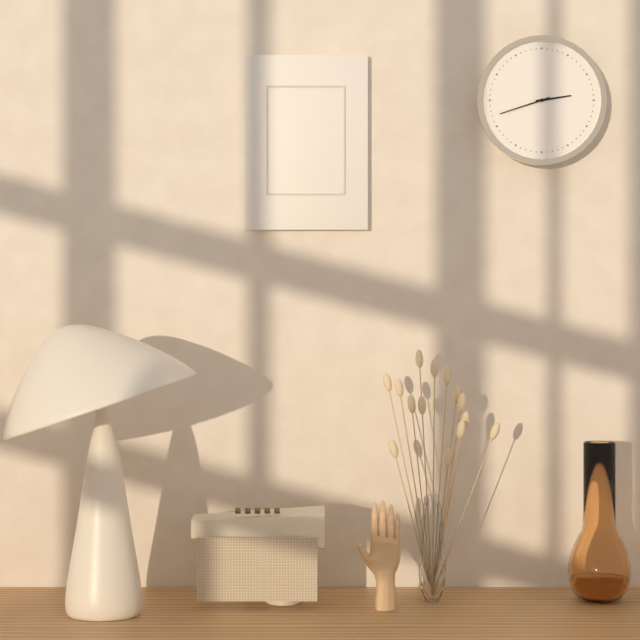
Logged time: 2,42
